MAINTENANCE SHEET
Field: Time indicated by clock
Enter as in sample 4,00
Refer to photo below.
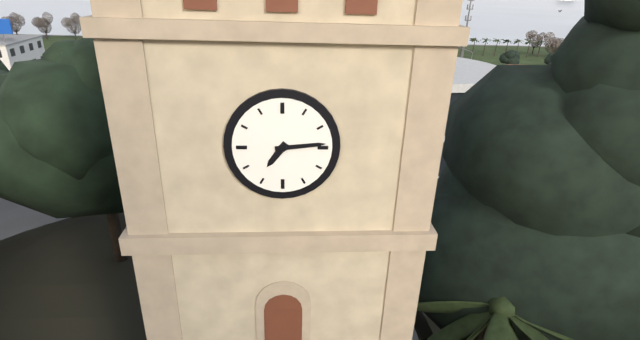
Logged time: 7,14
